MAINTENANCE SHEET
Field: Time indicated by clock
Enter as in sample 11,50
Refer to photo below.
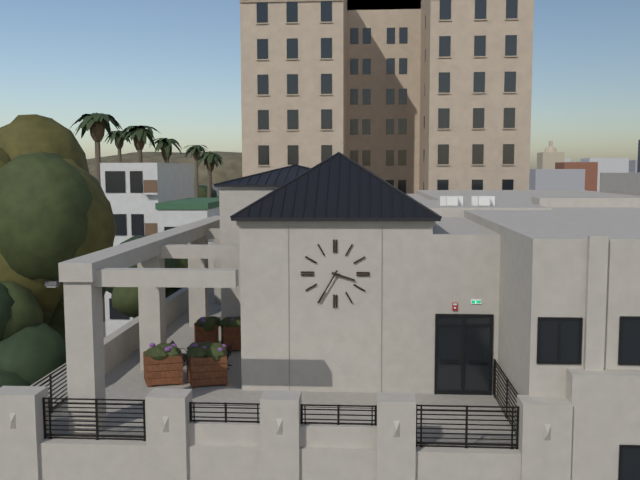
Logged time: 3,35
